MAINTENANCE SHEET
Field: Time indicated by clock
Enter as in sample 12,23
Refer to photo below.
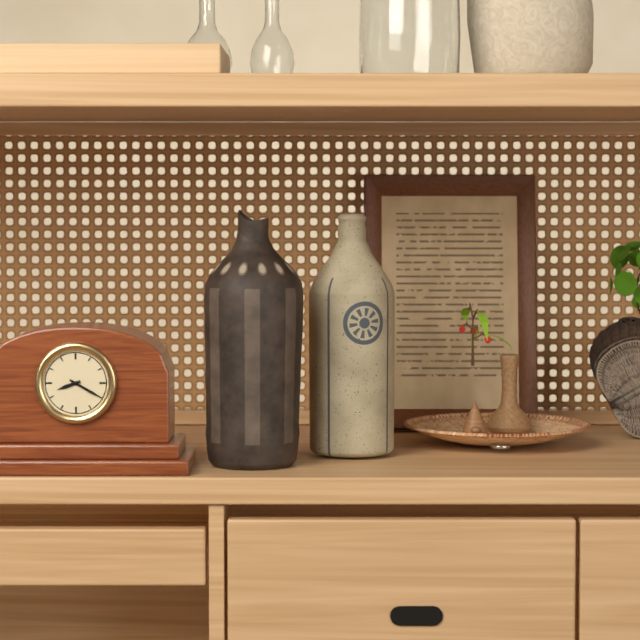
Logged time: 8,20
